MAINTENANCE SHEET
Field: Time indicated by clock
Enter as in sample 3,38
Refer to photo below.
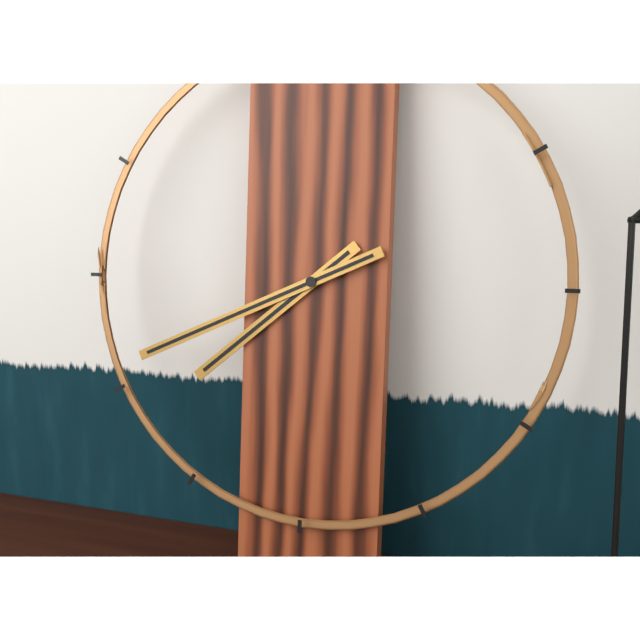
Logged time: 7,41
